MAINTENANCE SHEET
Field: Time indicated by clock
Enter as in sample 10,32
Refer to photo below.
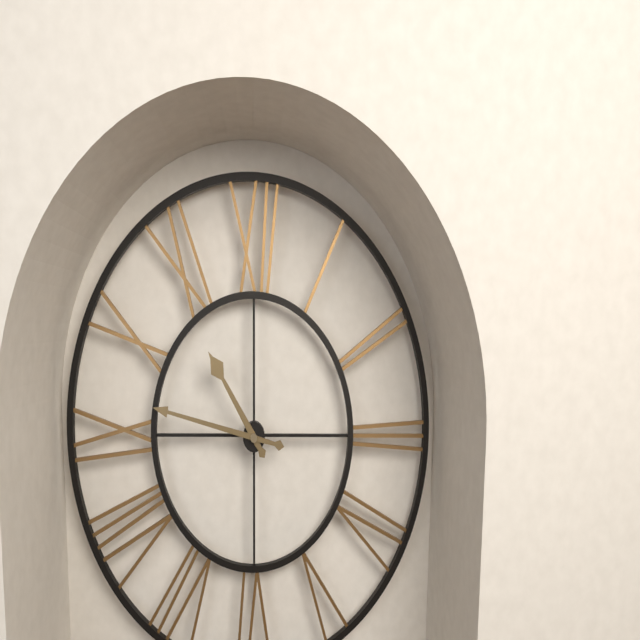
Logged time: 10,47
